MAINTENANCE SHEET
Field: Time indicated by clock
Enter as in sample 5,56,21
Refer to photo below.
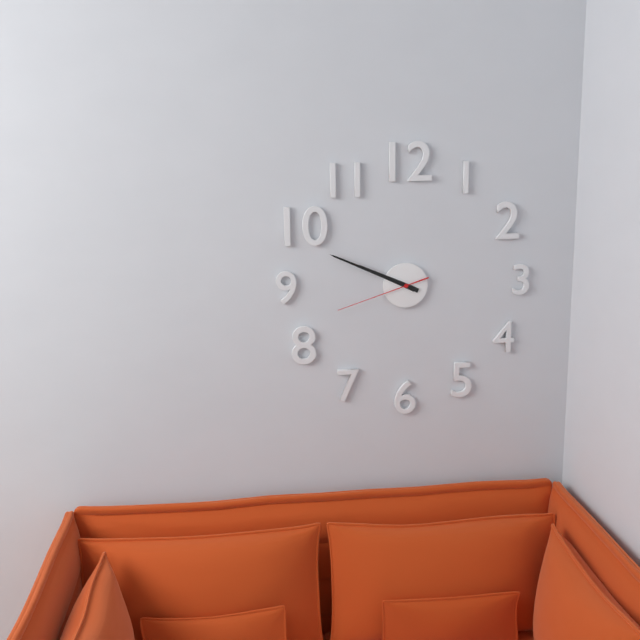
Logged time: 9,49,42
